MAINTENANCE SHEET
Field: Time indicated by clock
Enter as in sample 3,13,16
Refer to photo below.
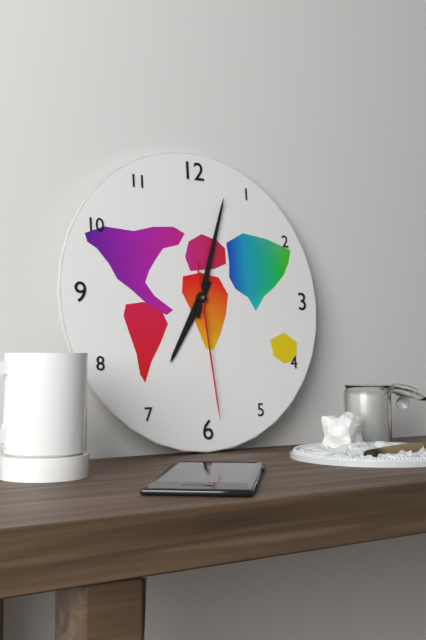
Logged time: 7,03,29
